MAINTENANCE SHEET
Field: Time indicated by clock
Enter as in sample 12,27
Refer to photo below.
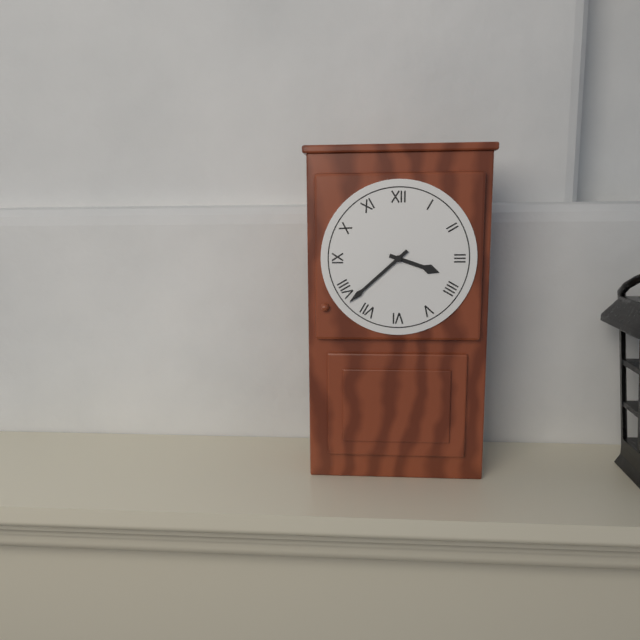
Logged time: 3,38
